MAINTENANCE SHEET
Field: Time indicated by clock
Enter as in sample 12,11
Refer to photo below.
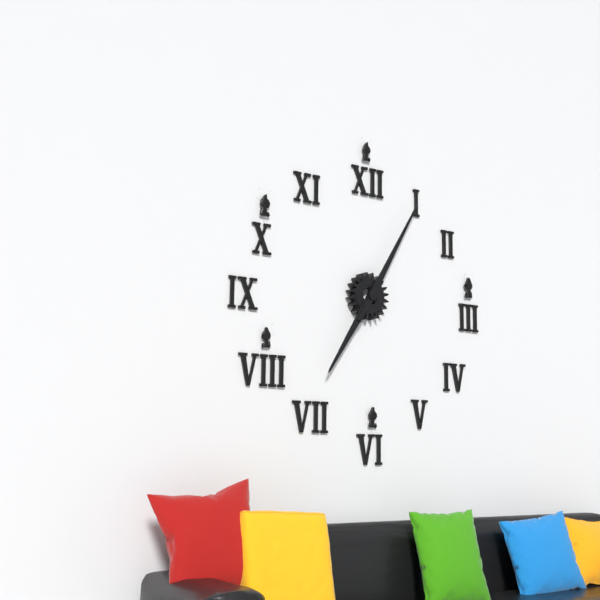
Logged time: 7,05
